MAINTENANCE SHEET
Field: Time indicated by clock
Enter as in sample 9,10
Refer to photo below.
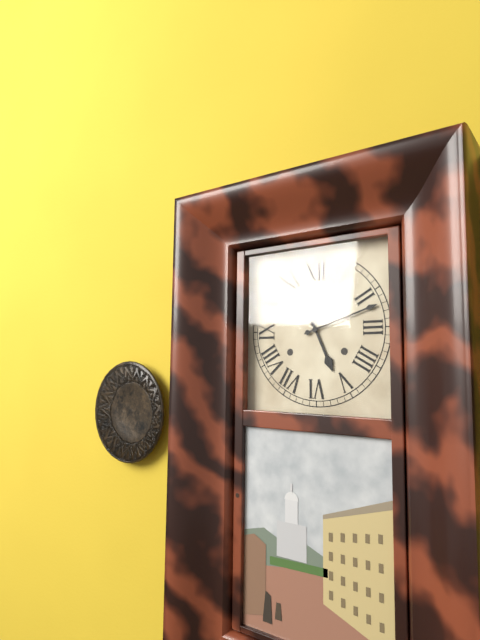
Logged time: 5,12
